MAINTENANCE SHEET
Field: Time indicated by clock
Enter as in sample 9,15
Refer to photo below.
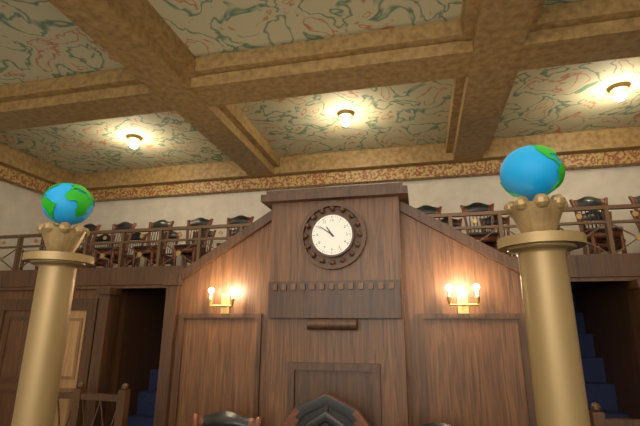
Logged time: 10,51
